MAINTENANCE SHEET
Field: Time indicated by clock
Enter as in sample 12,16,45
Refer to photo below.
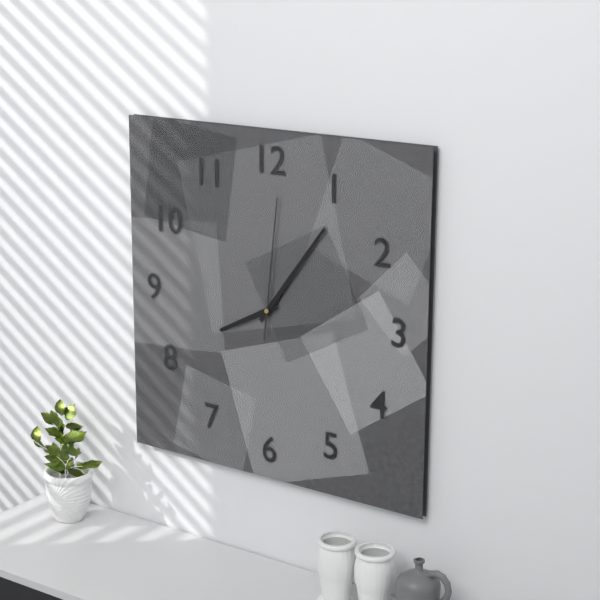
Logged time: 8,06,01
